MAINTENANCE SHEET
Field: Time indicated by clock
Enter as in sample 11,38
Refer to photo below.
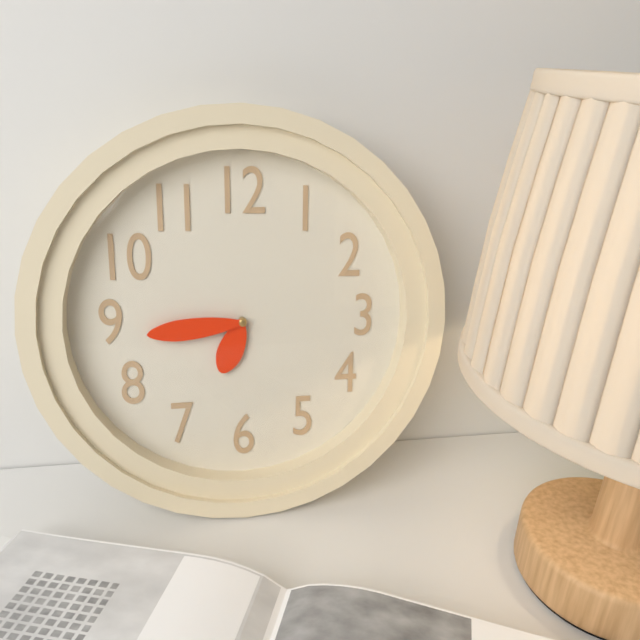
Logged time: 6,44
